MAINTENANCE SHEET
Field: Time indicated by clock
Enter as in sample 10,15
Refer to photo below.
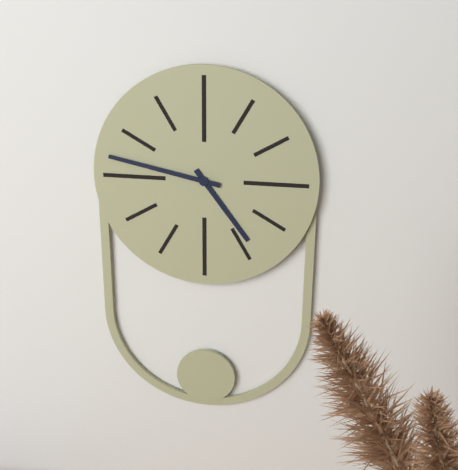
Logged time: 4,47
